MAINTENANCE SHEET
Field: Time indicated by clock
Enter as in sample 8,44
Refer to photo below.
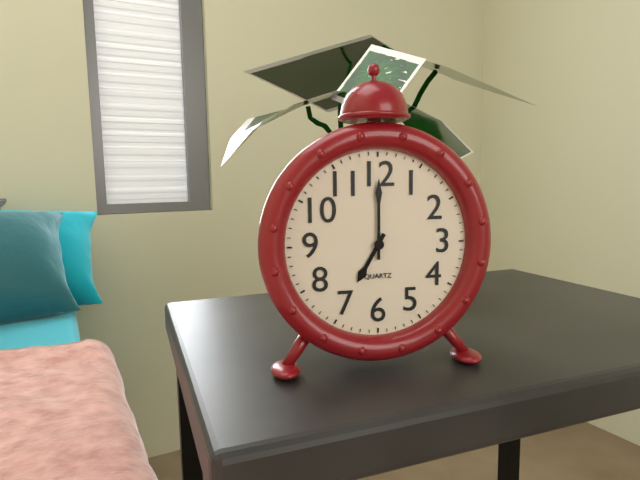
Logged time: 7,00
